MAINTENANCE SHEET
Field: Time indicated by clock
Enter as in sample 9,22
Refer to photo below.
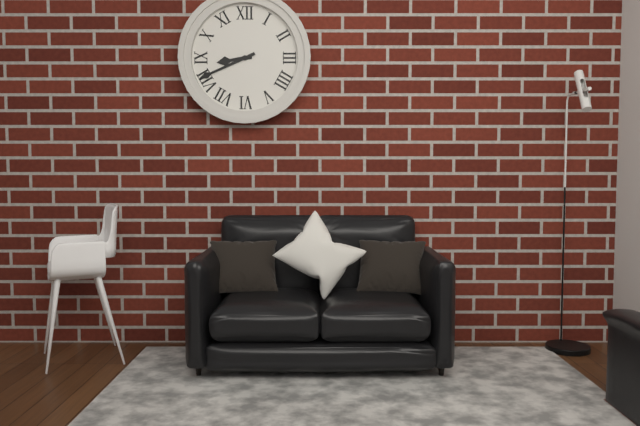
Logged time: 8,41
